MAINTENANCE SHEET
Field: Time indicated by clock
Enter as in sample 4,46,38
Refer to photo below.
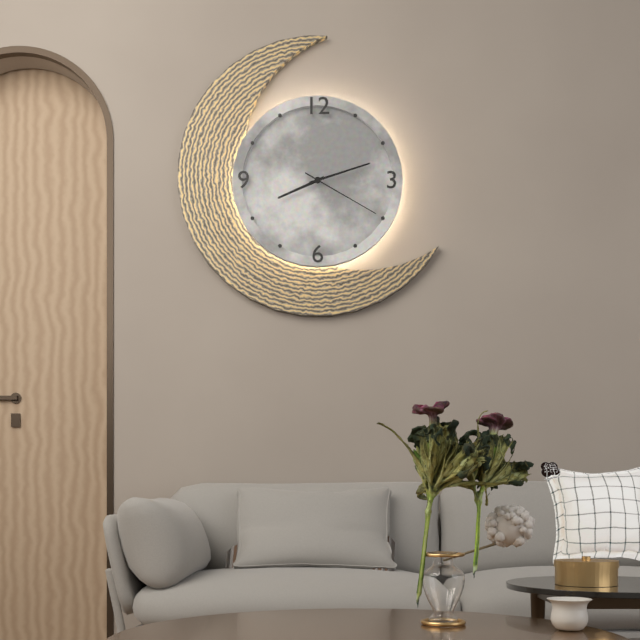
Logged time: 8,12,20
